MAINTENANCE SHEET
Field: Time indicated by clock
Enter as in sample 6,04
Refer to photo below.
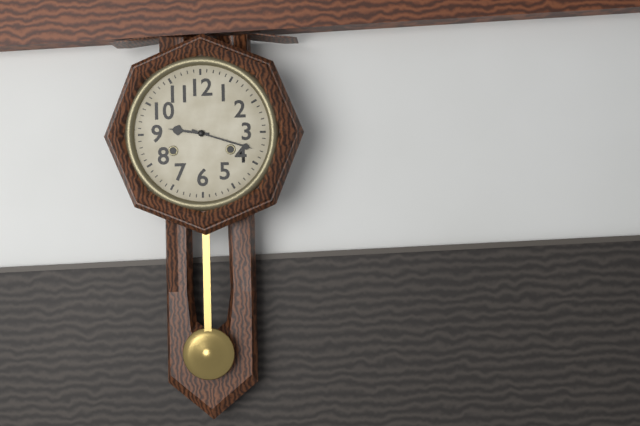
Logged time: 9,18
